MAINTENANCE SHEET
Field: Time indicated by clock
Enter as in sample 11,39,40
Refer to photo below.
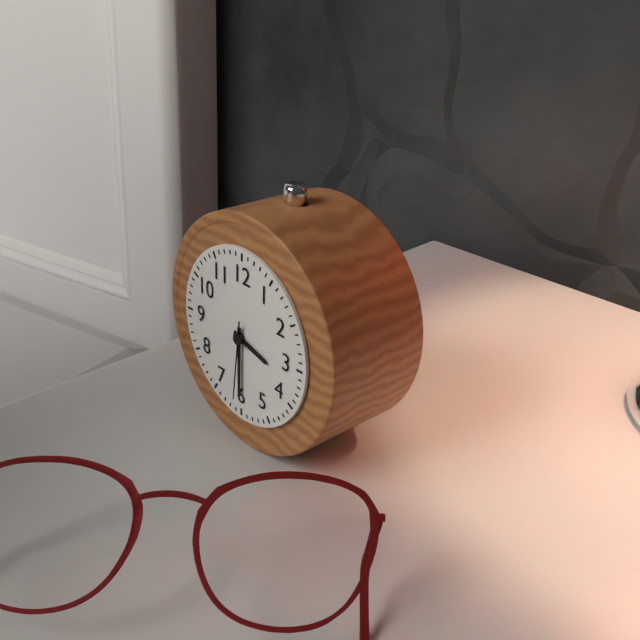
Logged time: 3,30,31
